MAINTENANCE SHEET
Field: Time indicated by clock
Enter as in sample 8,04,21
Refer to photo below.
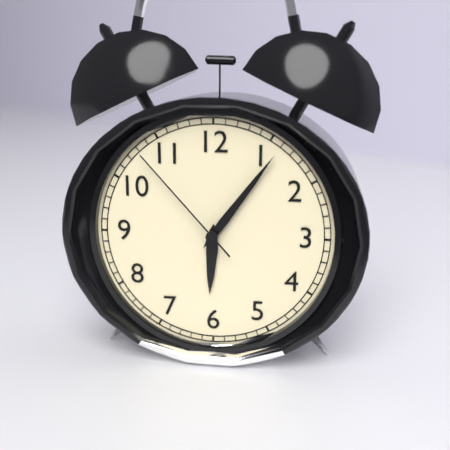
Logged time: 6,06,53
